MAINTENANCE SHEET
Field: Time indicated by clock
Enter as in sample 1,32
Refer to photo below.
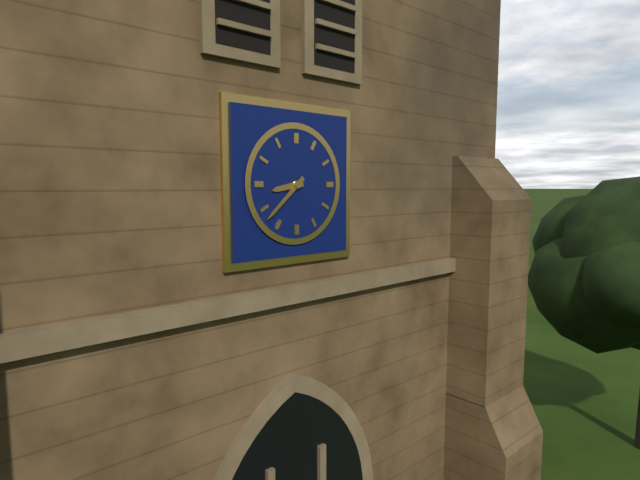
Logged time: 8,38
